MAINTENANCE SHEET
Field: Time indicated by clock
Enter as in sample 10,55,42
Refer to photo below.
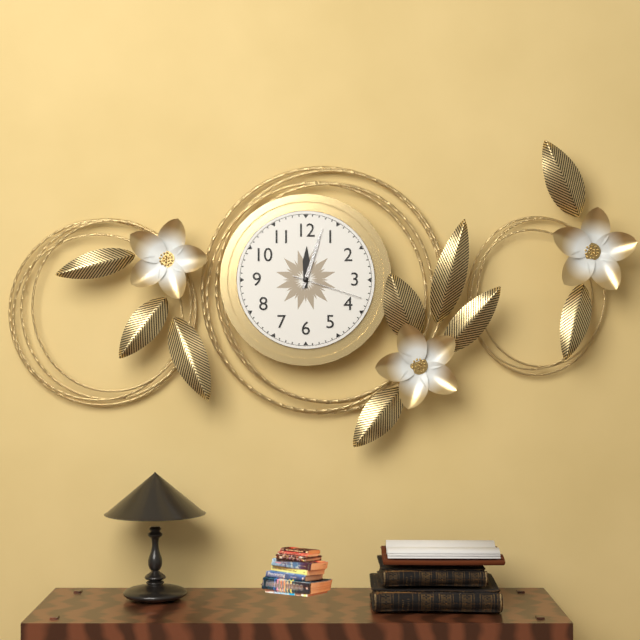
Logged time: 12,03,18
